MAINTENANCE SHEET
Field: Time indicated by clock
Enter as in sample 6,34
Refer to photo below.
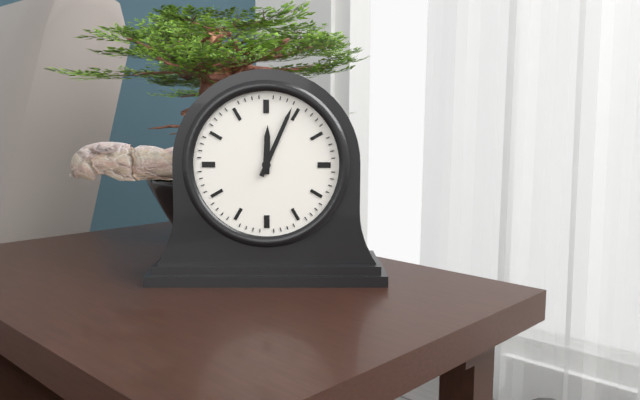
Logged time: 12,04
